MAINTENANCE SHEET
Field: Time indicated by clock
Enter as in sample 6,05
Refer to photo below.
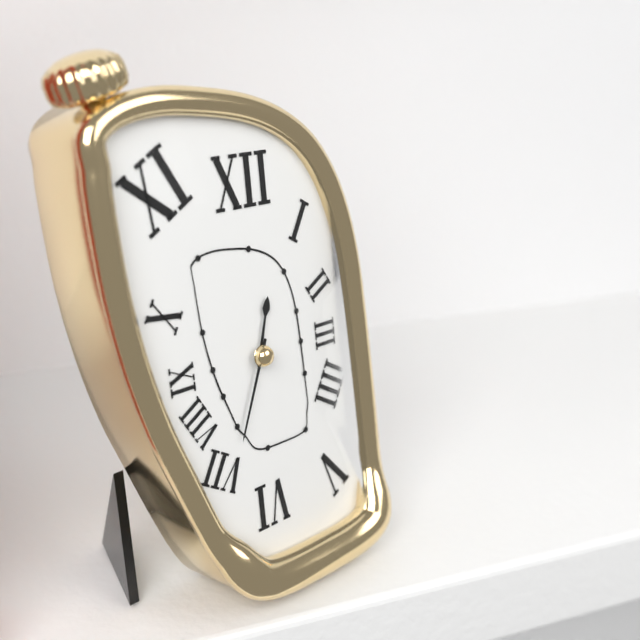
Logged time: 12,34
